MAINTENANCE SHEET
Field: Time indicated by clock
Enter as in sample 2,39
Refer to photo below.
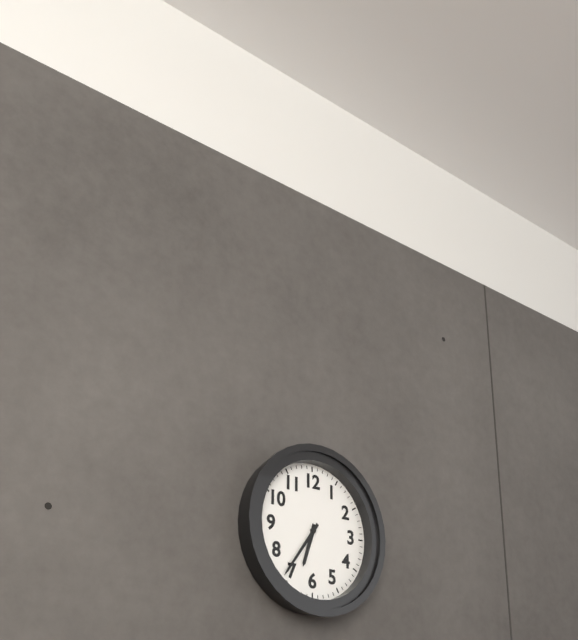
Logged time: 6,36
